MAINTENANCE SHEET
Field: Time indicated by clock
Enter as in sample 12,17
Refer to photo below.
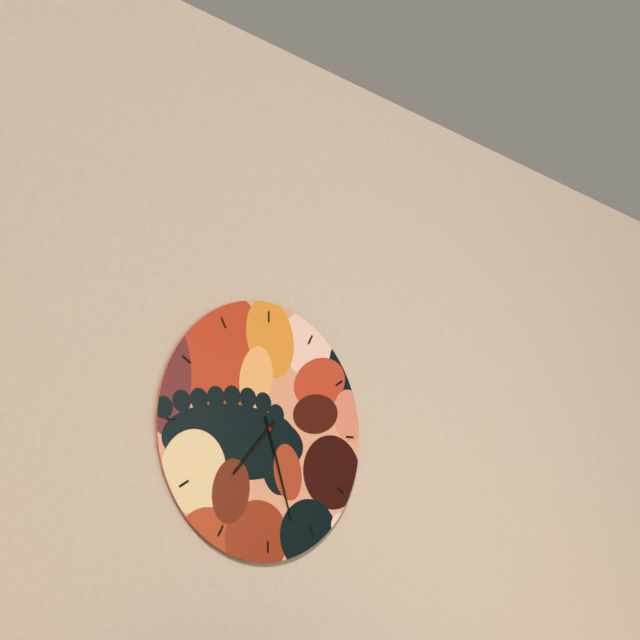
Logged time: 7,27
